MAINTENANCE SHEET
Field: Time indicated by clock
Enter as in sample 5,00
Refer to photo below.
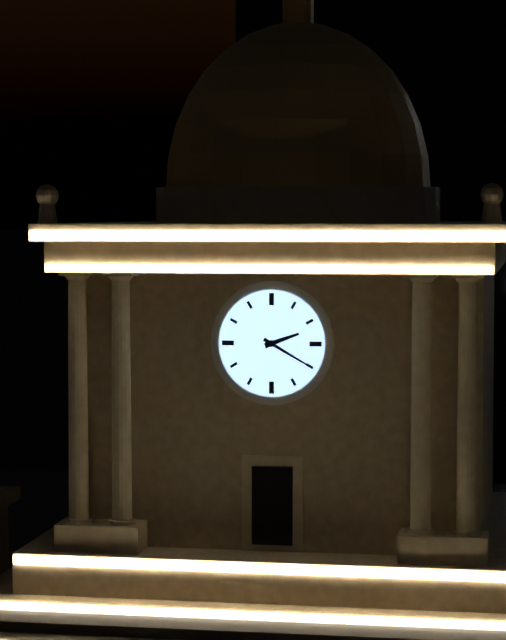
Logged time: 2,20
